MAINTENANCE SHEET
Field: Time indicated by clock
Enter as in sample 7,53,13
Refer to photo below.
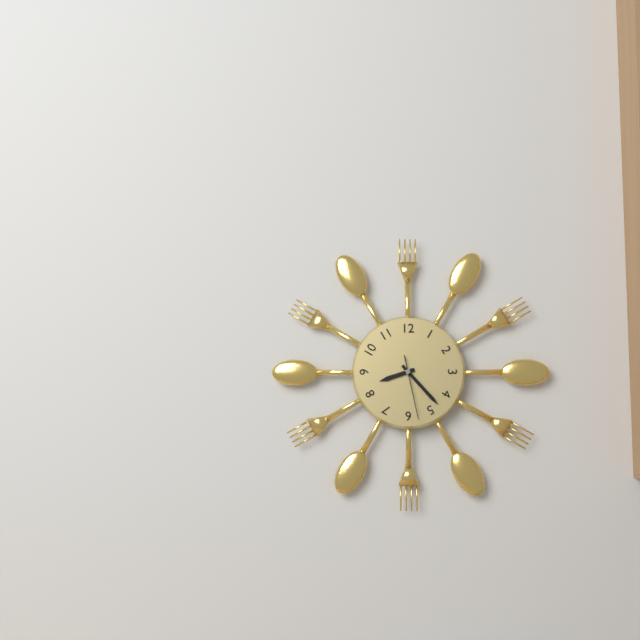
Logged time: 8,23,28
